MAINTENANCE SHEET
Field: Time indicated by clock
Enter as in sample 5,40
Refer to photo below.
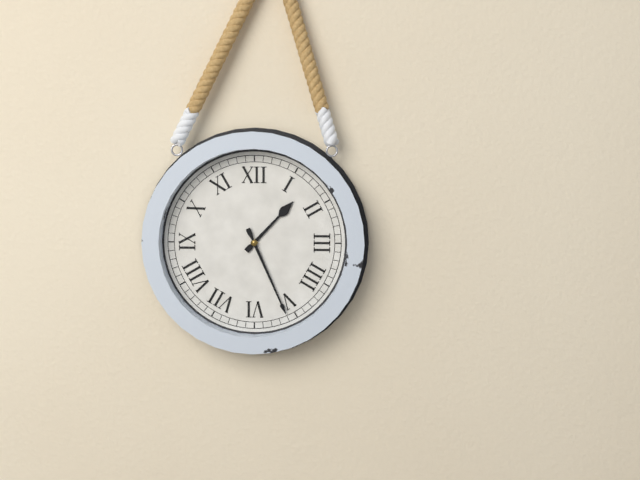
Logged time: 1,26
